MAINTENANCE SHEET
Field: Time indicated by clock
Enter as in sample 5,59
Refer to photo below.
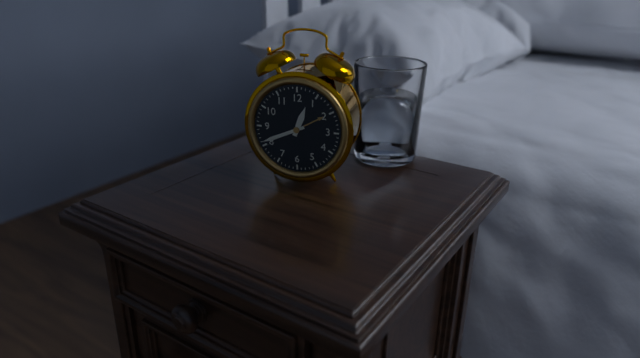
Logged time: 12,41
